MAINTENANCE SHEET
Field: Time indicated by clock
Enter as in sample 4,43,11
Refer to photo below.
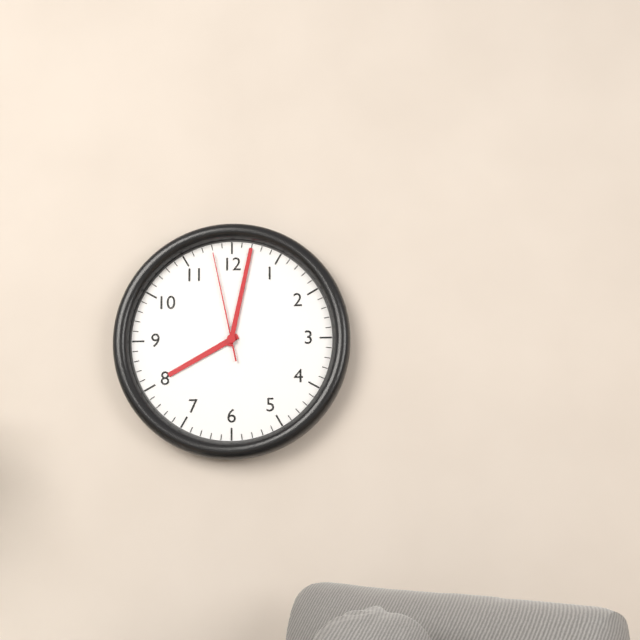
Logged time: 8,02,58
